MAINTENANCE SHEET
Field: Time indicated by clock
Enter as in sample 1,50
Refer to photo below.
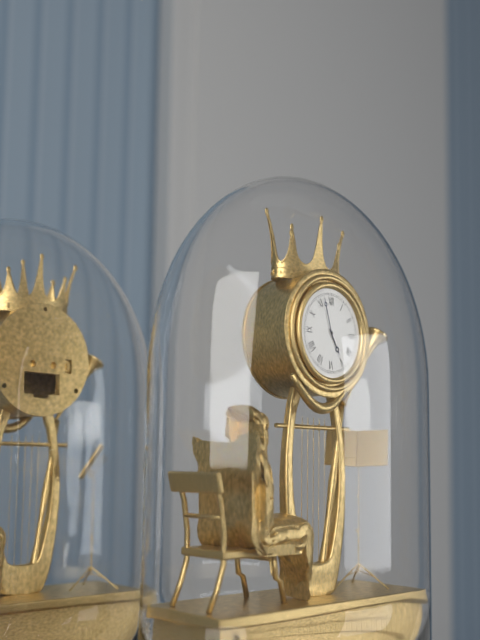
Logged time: 4,57
